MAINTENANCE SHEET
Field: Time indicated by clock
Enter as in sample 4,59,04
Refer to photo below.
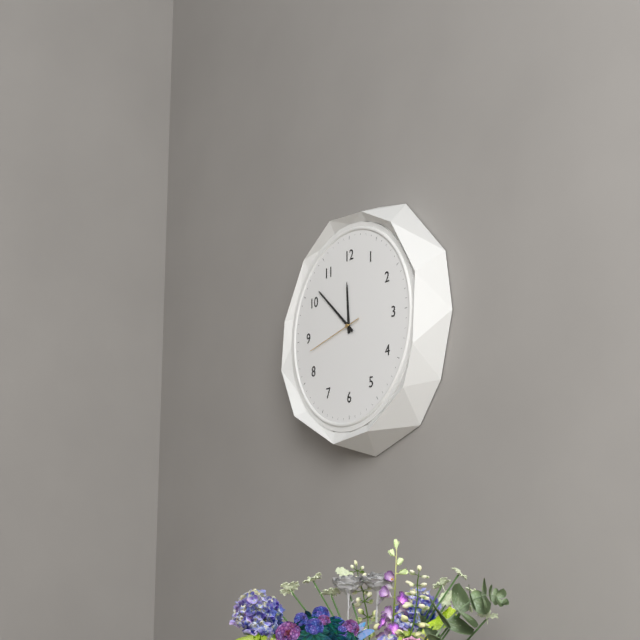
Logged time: 11,52,43
